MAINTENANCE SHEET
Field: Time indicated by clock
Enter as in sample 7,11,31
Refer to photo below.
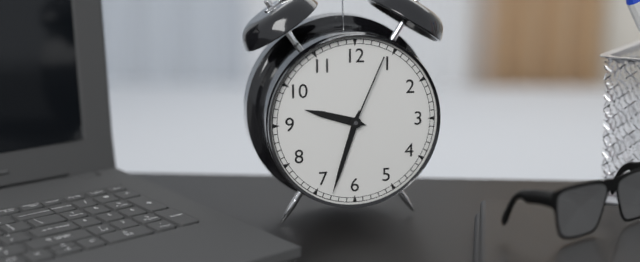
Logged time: 9,33,04
